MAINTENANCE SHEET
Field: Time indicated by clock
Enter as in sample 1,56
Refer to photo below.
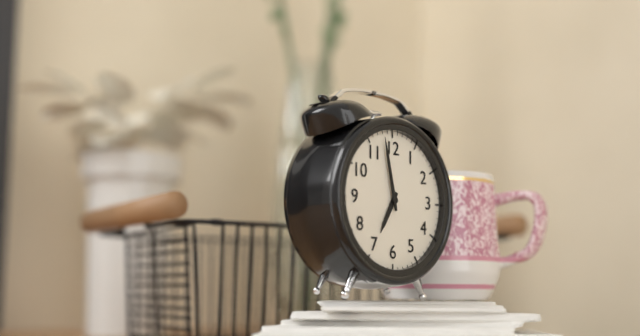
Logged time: 6,58
